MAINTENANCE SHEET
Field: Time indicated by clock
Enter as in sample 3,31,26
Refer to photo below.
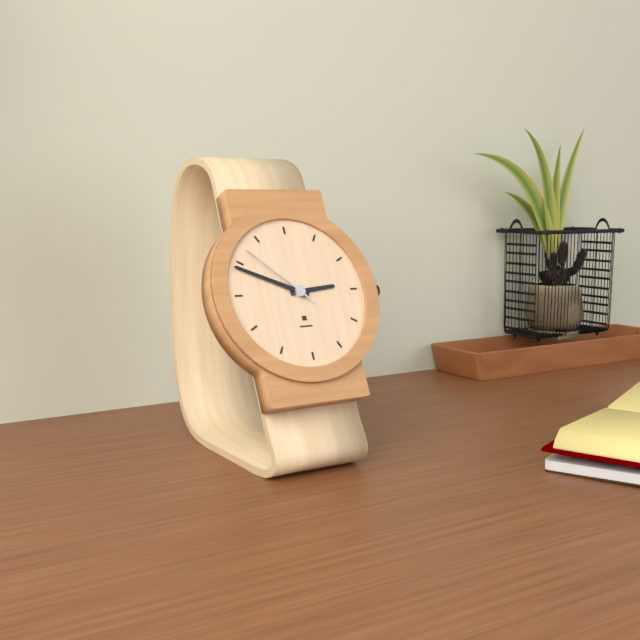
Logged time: 2,49,52
